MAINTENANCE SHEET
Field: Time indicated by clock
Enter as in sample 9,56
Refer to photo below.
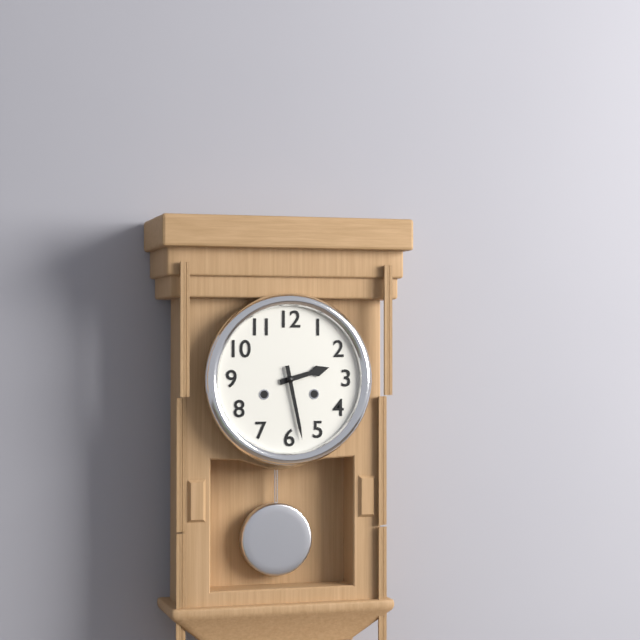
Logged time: 2,28
